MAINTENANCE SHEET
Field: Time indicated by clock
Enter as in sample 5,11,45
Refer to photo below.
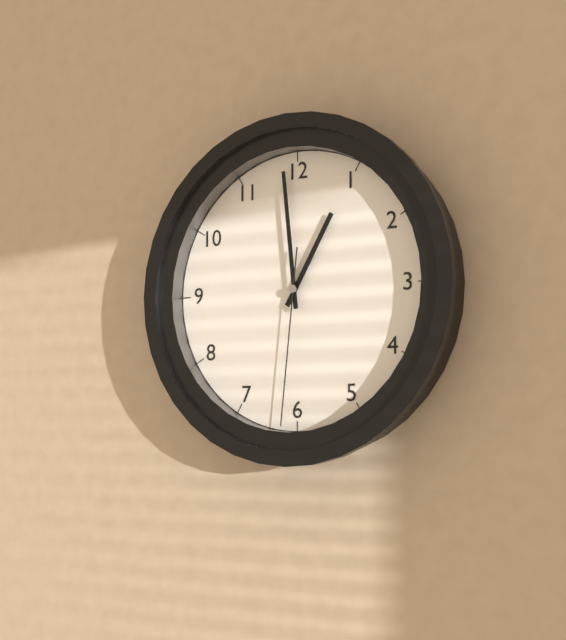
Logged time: 12,59,31
